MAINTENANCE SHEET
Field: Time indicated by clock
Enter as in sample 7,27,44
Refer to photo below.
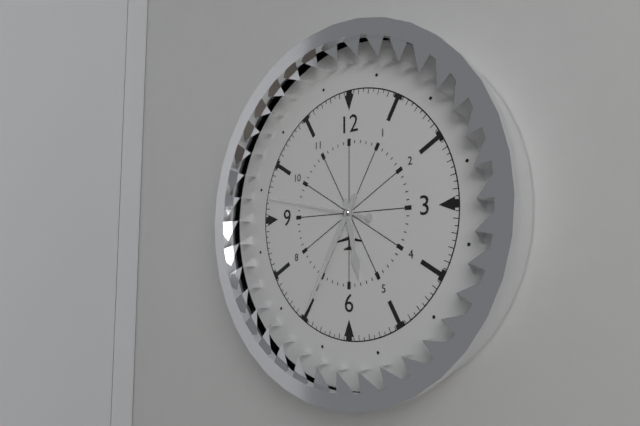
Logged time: 5,35,47
